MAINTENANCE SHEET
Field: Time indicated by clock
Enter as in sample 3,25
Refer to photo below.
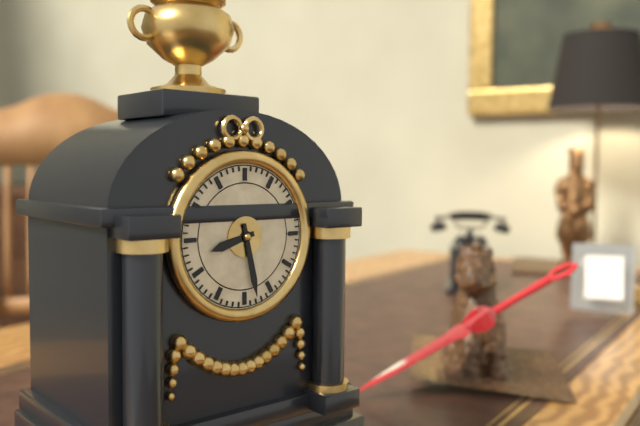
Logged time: 8,28
